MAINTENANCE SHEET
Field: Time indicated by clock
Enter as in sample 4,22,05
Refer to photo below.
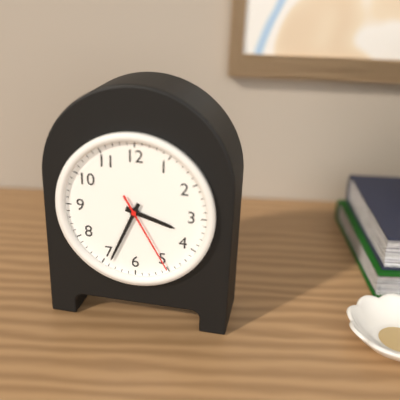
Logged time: 3,34,25
